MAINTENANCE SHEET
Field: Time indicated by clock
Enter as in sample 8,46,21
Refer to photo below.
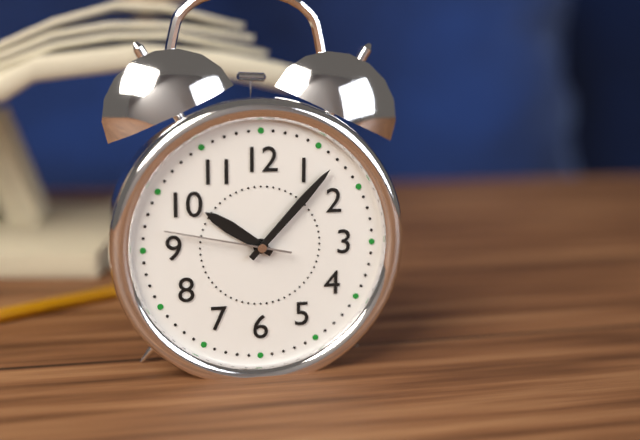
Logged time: 10,07,47
